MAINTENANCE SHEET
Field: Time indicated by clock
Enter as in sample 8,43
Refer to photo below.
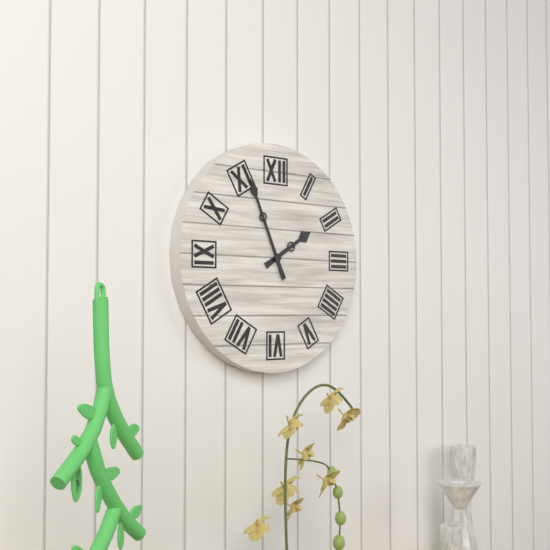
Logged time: 1,56
